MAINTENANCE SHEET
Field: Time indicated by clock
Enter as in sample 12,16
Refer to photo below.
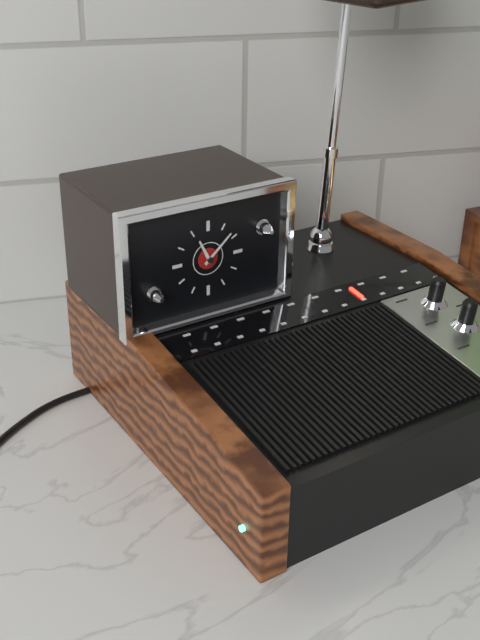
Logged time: 11,08
